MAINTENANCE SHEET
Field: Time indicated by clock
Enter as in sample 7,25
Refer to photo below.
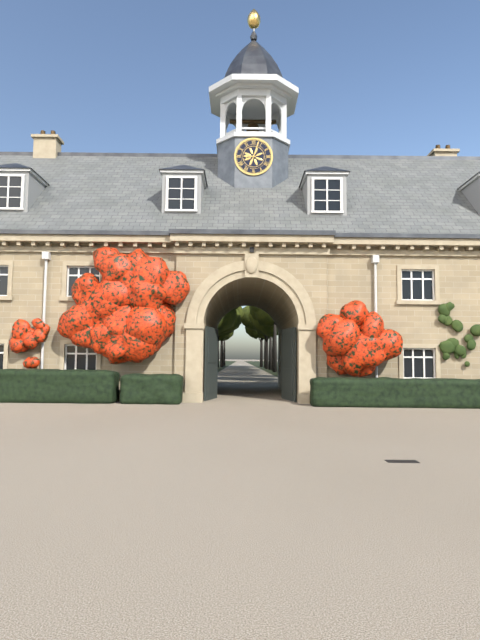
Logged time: 9,03
